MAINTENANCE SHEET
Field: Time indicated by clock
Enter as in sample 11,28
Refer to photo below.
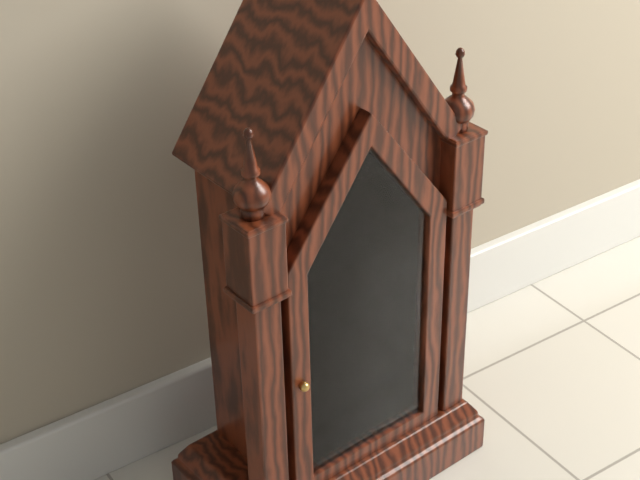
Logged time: 5,29
